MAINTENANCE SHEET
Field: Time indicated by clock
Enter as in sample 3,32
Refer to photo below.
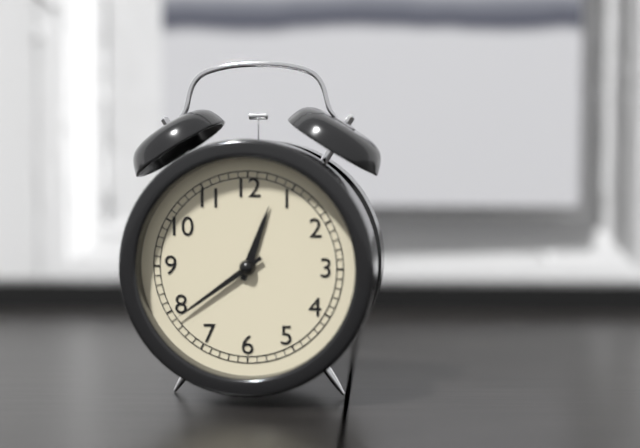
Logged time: 12,39
